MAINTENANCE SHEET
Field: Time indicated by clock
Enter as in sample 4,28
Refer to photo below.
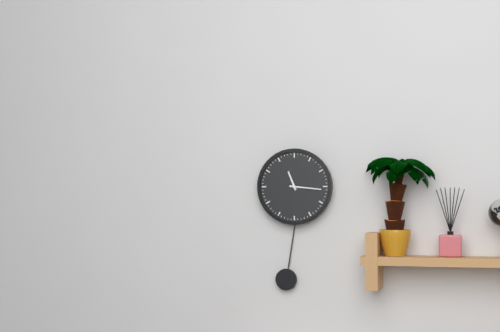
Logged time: 11,16
